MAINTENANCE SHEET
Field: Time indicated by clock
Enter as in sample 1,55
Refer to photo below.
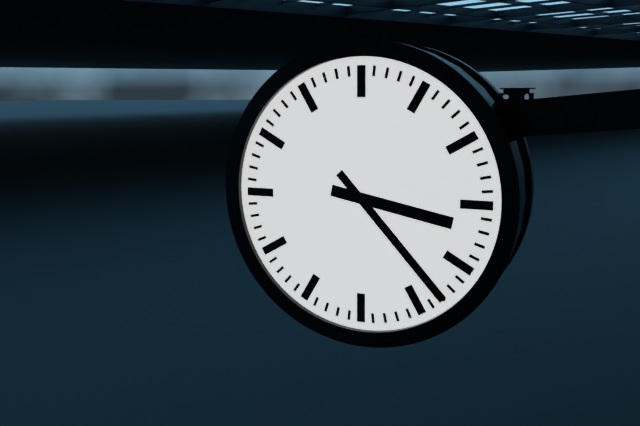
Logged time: 3,23
